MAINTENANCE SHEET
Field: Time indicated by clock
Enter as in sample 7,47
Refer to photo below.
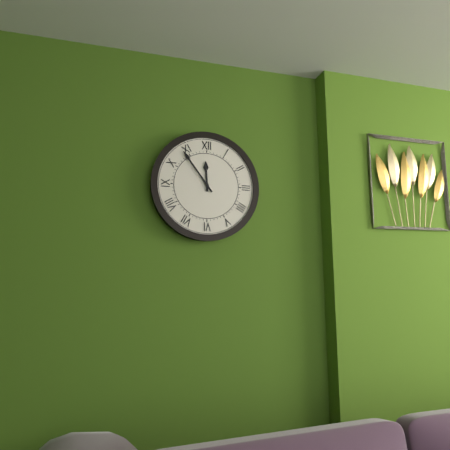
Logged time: 11,54
